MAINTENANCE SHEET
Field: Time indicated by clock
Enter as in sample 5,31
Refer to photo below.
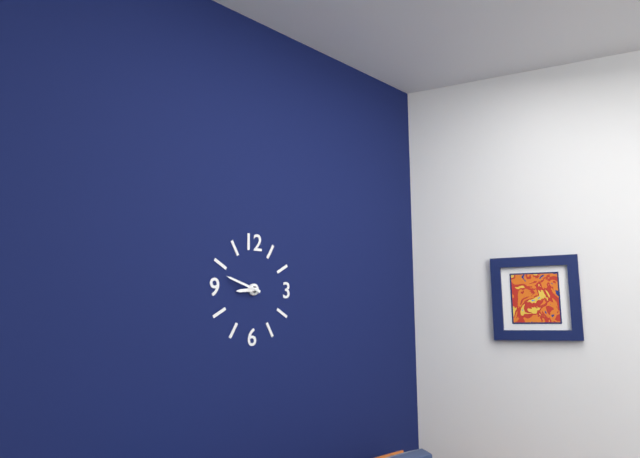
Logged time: 8,48
